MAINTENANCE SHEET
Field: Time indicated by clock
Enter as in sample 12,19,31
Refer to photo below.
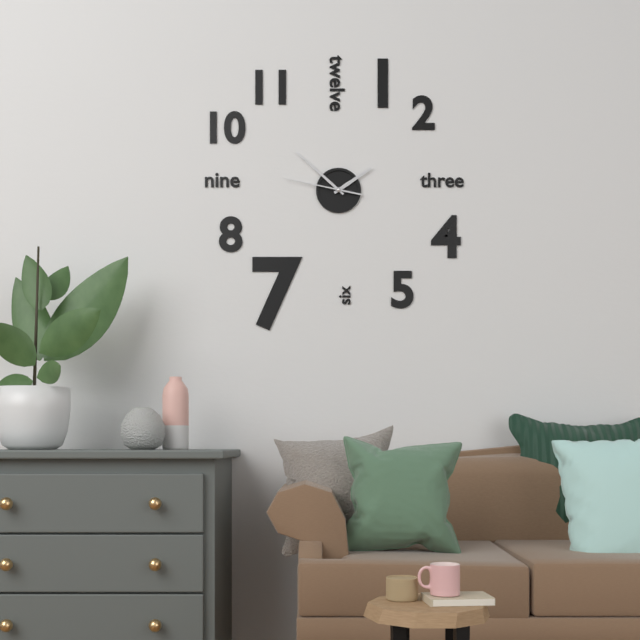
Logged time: 1,52,47
